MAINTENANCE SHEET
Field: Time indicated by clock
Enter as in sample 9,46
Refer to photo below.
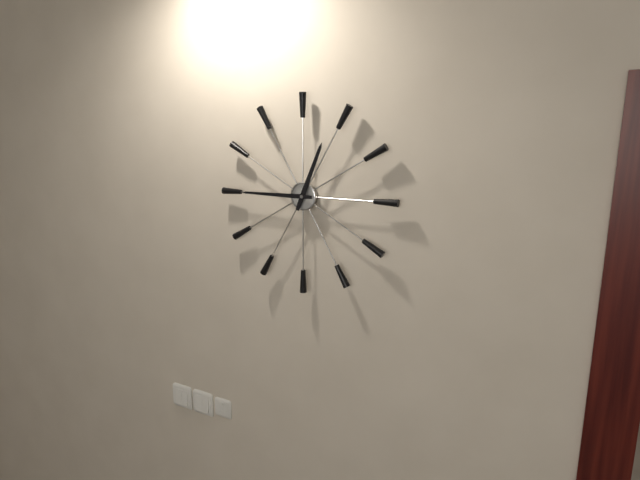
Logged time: 12,45
